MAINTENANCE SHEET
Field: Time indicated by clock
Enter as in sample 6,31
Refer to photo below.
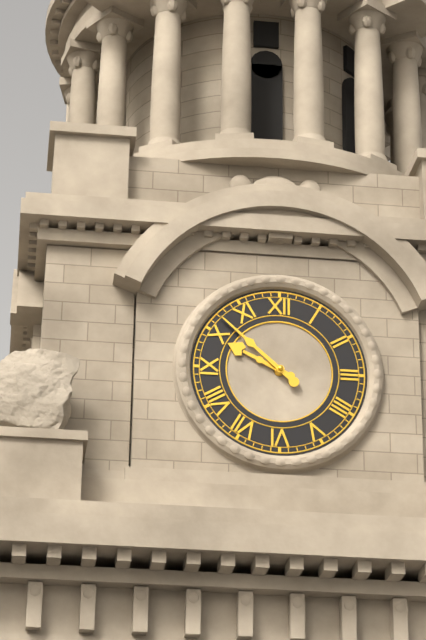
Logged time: 9,52
